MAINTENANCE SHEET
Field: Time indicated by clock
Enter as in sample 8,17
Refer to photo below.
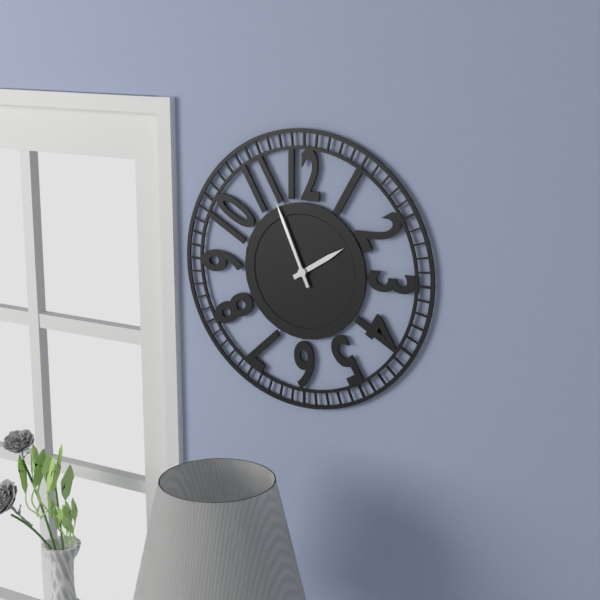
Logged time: 1,56
